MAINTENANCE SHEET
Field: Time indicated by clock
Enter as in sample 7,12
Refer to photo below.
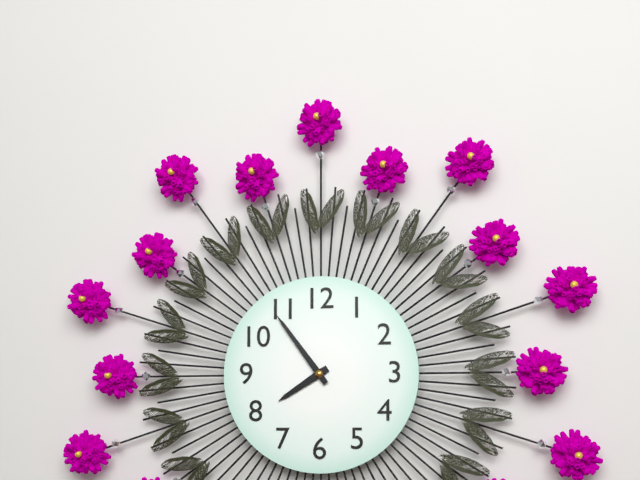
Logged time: 7,54
